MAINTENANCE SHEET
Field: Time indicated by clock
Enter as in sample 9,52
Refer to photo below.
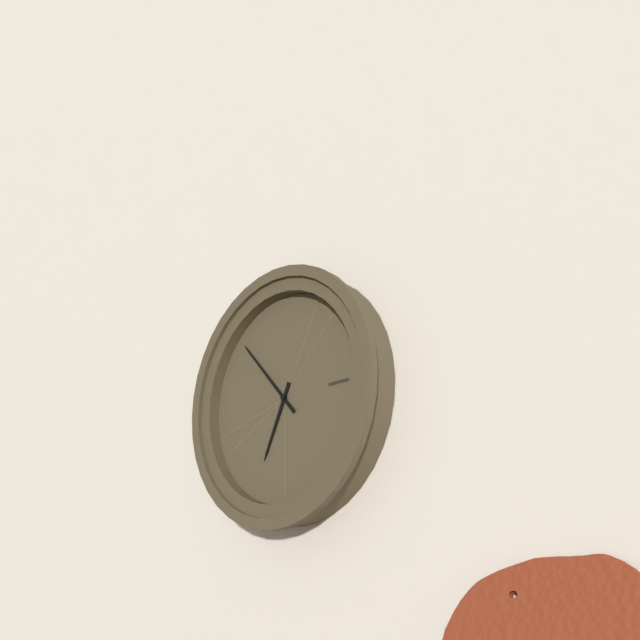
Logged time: 6,53
